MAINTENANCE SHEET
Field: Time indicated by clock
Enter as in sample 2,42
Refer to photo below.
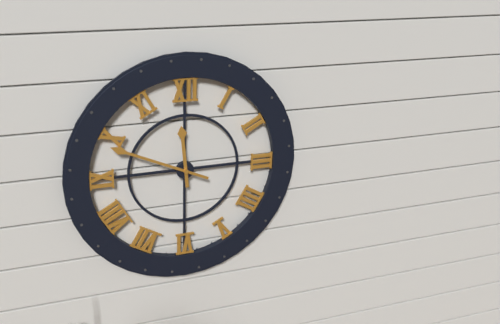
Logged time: 11,49
